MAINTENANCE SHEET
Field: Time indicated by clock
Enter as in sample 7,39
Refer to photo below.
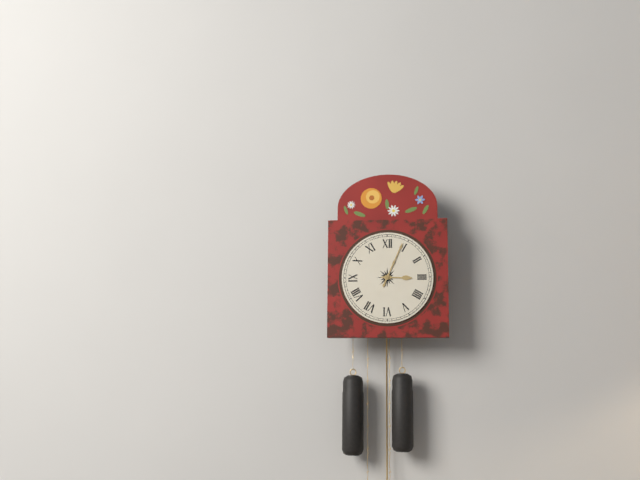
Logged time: 3,04
